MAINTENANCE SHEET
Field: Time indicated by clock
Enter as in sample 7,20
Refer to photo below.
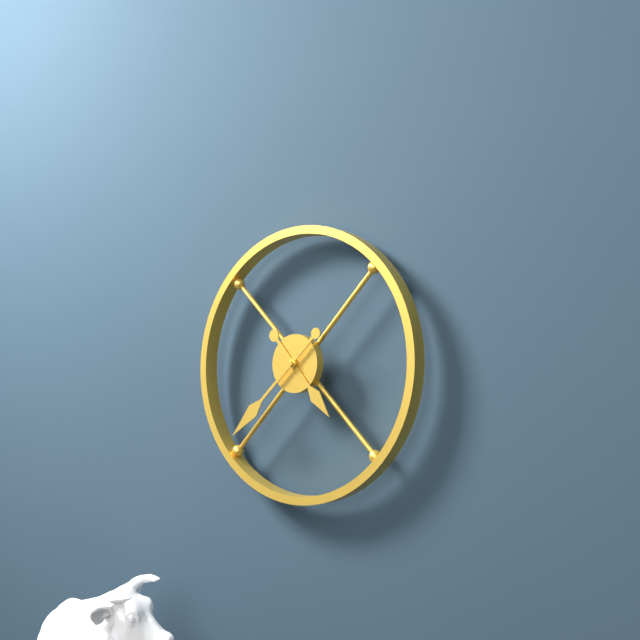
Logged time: 4,38
